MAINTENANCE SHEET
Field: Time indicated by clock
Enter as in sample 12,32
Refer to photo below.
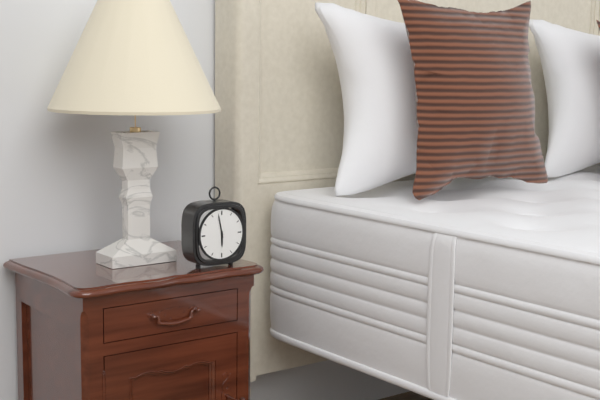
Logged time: 5,58
